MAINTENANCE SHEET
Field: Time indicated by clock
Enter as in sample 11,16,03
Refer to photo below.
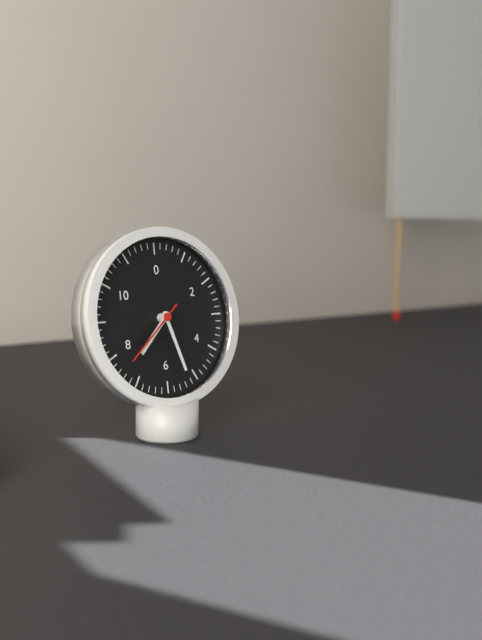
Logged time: 7,27,38
